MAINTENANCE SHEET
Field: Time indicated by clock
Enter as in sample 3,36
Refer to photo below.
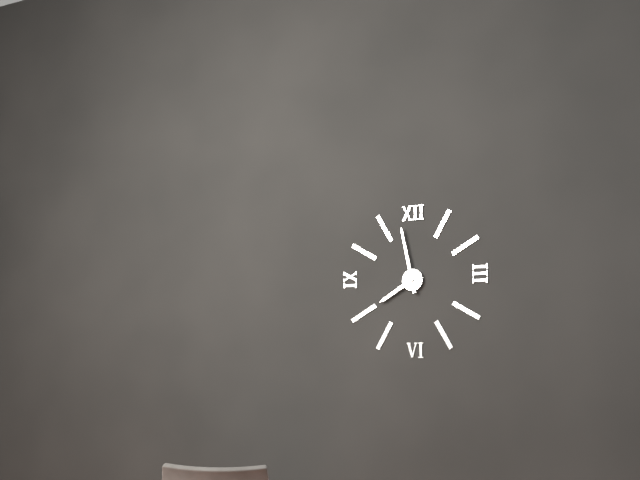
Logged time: 7,58
